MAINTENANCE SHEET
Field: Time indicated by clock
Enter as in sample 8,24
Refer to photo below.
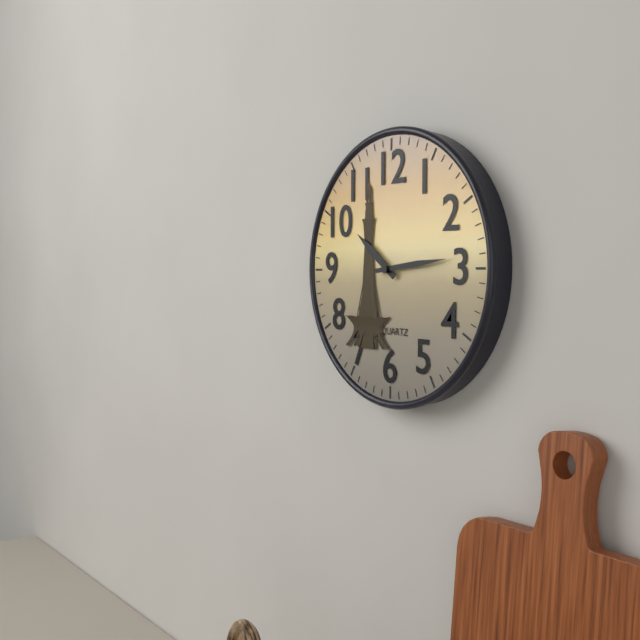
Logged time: 10,14
